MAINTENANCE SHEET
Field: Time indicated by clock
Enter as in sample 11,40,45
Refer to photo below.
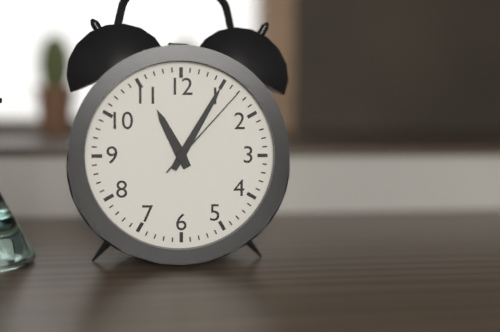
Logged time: 11,05,07
